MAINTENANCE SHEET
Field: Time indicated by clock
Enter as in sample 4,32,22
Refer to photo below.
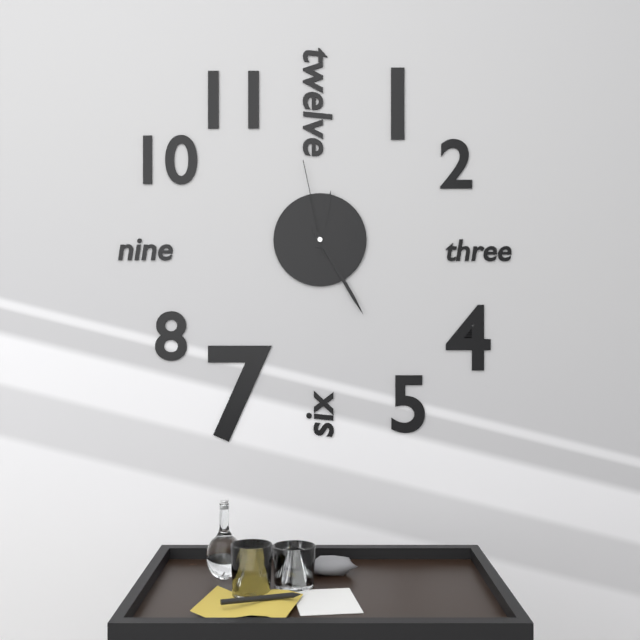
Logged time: 12,25,58
